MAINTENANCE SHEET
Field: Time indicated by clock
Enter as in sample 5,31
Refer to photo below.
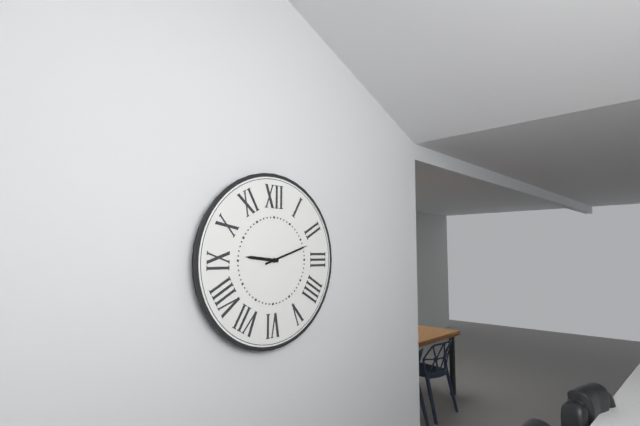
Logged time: 9,12
